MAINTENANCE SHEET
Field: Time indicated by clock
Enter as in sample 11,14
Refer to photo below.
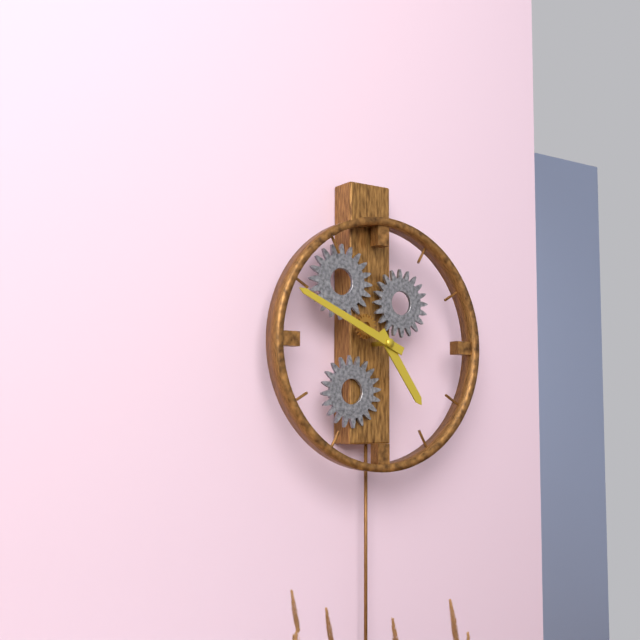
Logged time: 4,49
